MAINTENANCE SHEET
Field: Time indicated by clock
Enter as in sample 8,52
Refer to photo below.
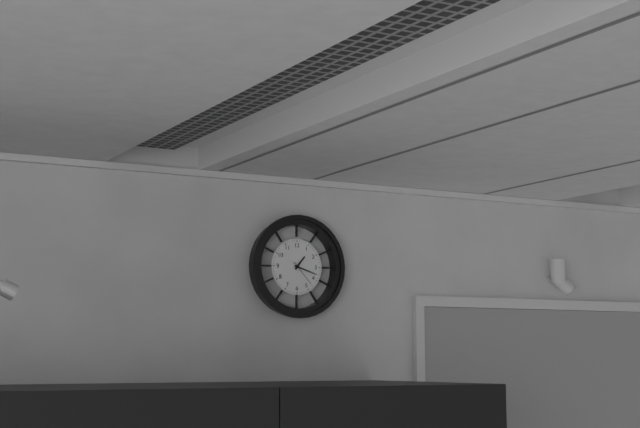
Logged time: 1,18
